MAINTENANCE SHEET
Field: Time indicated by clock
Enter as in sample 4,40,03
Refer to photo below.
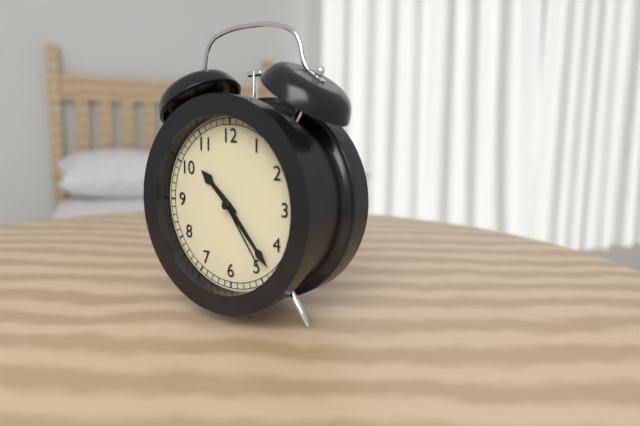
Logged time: 10,23,24
